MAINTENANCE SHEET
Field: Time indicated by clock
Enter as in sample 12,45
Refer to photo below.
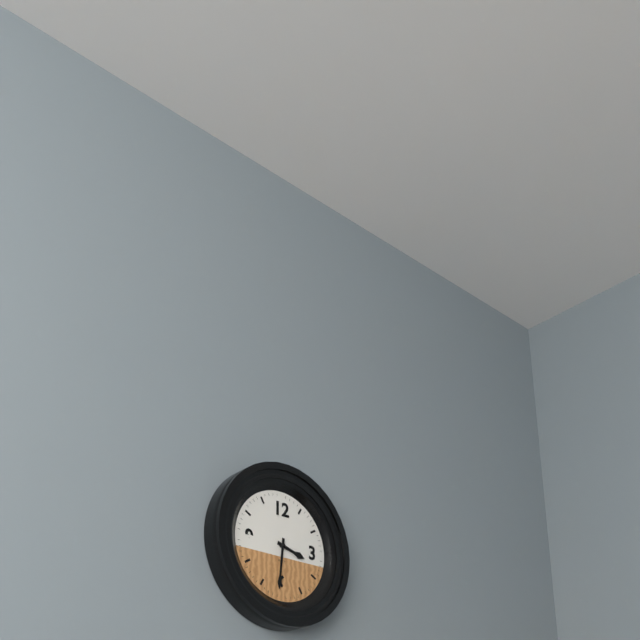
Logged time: 3,31
